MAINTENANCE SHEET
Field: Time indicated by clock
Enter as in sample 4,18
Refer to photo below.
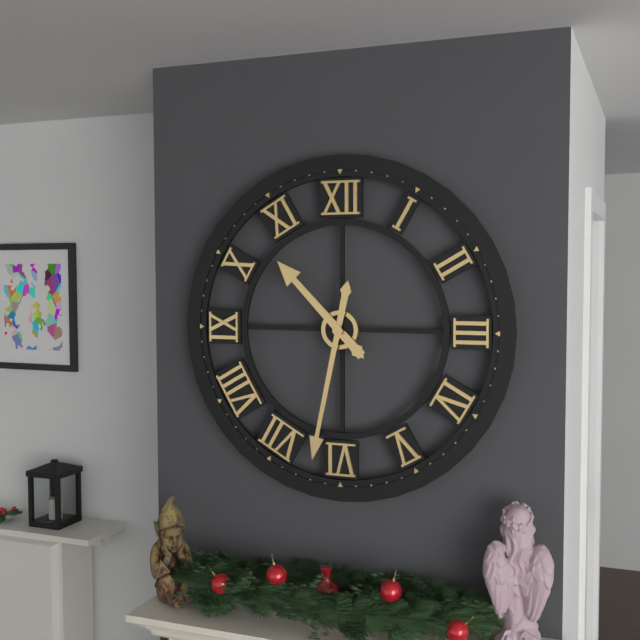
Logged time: 10,32
